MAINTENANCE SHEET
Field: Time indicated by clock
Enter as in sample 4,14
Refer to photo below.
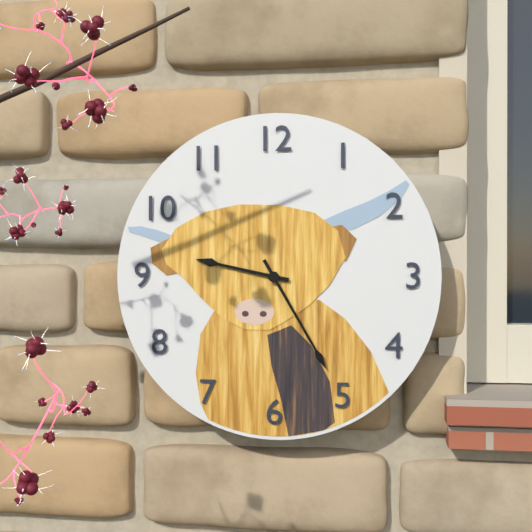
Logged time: 9,25
